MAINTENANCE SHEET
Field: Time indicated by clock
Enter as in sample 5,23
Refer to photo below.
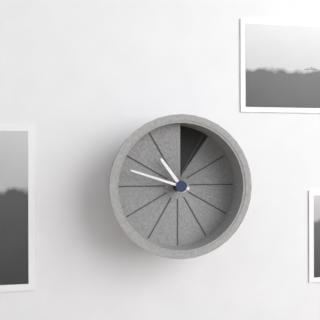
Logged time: 10,48
